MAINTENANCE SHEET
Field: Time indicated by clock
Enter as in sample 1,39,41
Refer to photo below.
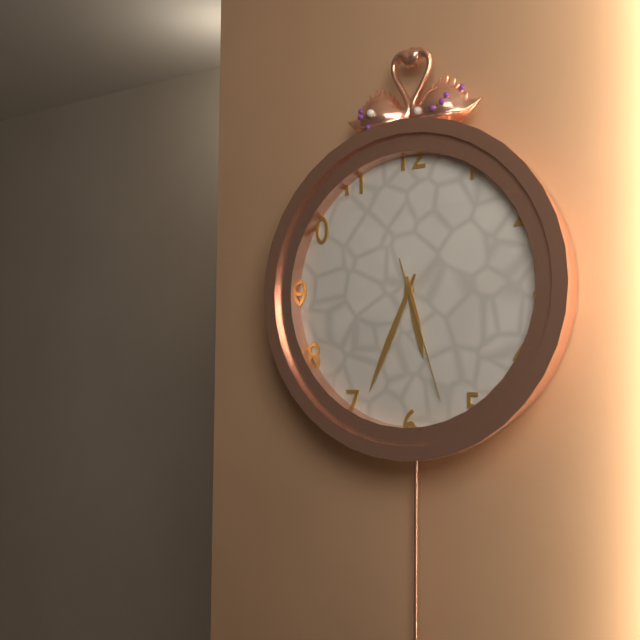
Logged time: 5,34,27
